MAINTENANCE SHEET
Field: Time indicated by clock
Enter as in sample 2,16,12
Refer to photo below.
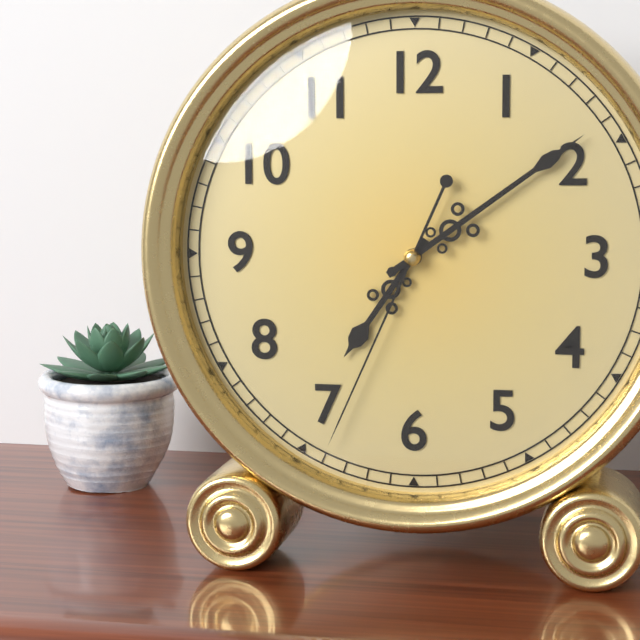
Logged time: 7,09,34
